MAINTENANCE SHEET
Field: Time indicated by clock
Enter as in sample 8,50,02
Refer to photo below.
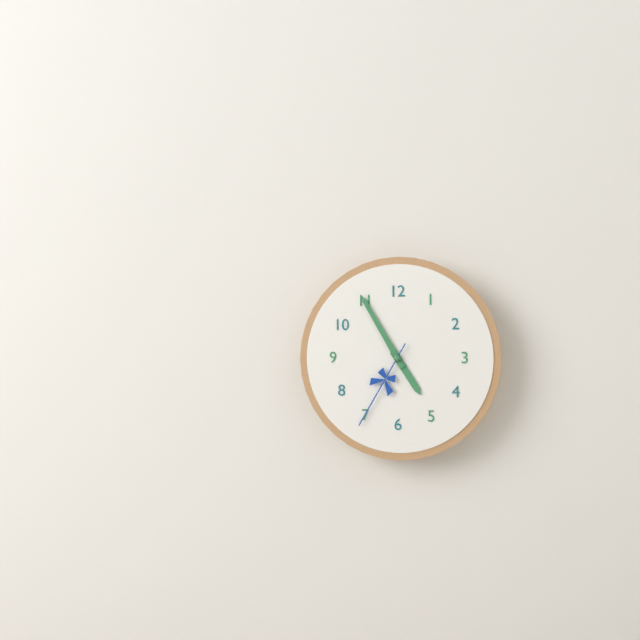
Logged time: 4,55,35
